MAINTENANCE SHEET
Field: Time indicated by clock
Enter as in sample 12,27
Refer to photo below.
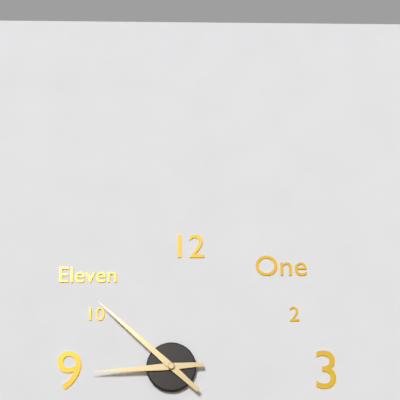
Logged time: 8,52
